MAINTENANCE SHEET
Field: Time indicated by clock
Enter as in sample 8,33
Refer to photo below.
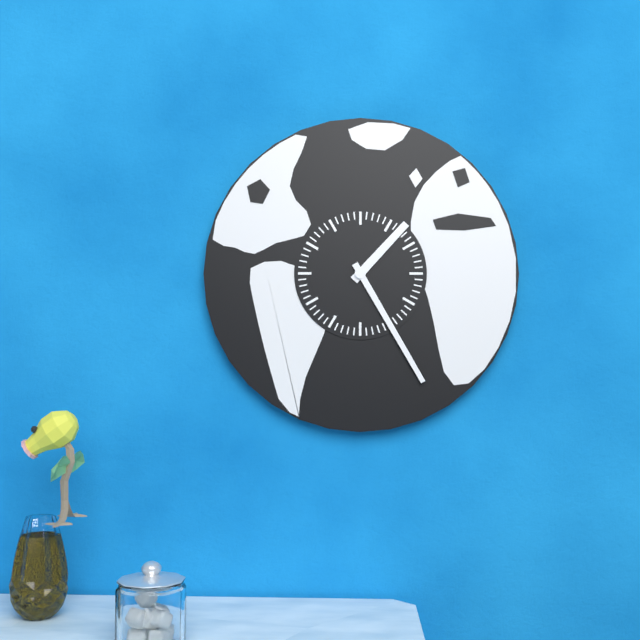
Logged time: 1,25
